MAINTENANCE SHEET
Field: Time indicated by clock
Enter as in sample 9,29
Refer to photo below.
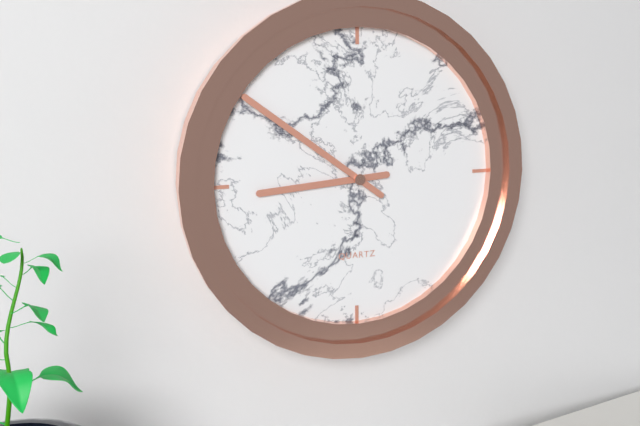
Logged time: 8,51
